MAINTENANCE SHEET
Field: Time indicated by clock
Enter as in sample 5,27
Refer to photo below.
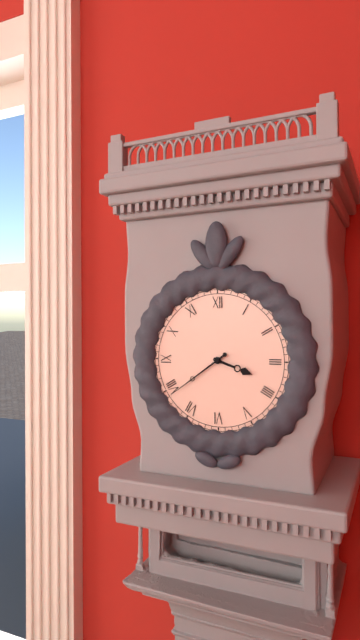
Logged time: 3,39
